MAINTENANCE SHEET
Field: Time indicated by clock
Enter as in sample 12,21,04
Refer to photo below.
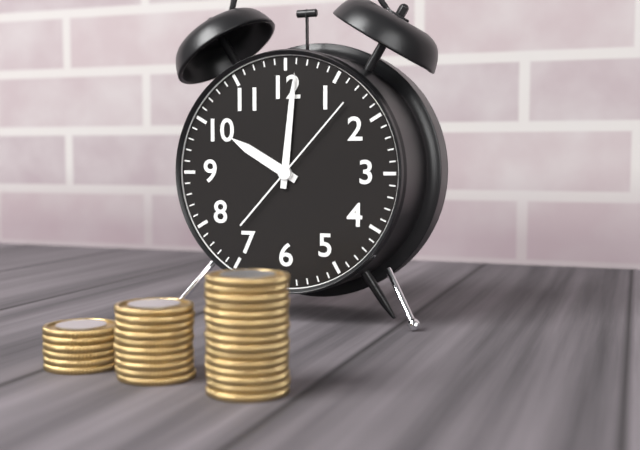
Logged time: 10,01,07
